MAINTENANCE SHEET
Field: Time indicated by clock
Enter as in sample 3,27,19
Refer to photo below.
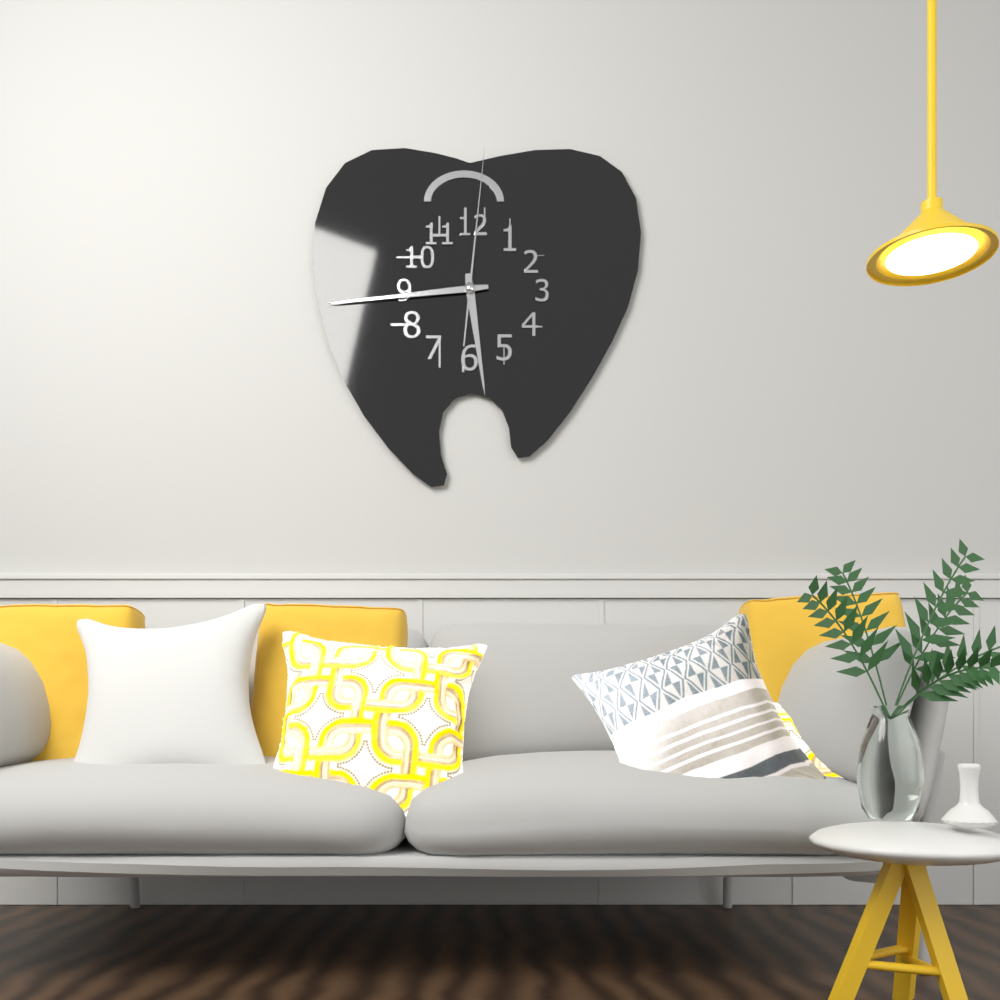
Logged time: 5,44,01
